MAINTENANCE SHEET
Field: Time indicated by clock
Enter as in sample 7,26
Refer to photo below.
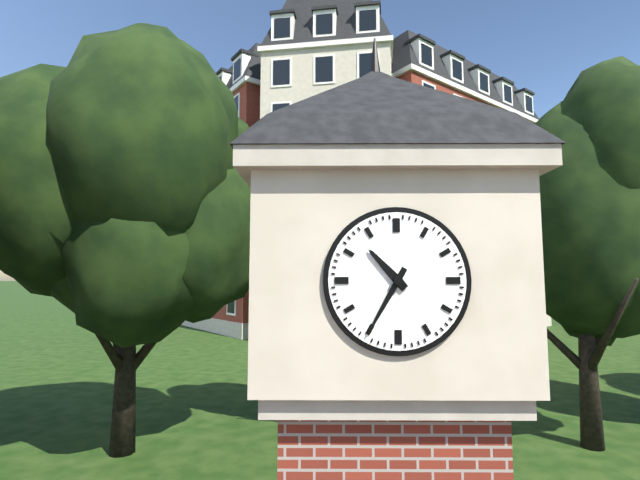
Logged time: 10,35
